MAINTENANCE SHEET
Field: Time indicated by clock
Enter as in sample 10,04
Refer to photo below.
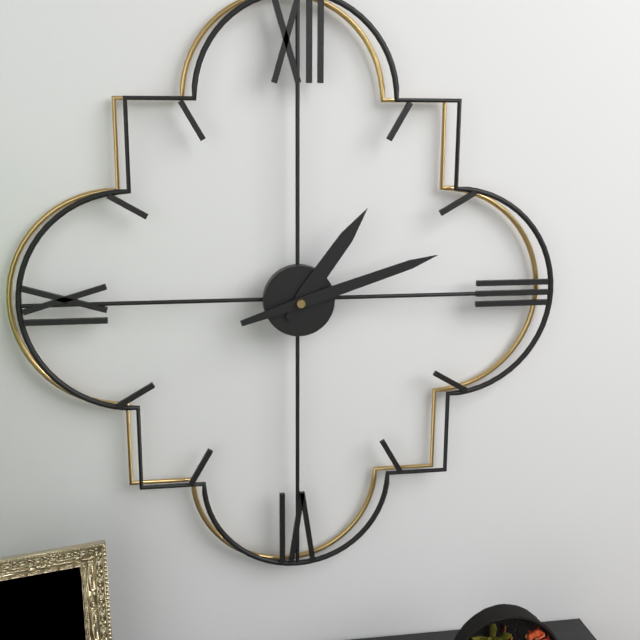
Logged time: 1,12
